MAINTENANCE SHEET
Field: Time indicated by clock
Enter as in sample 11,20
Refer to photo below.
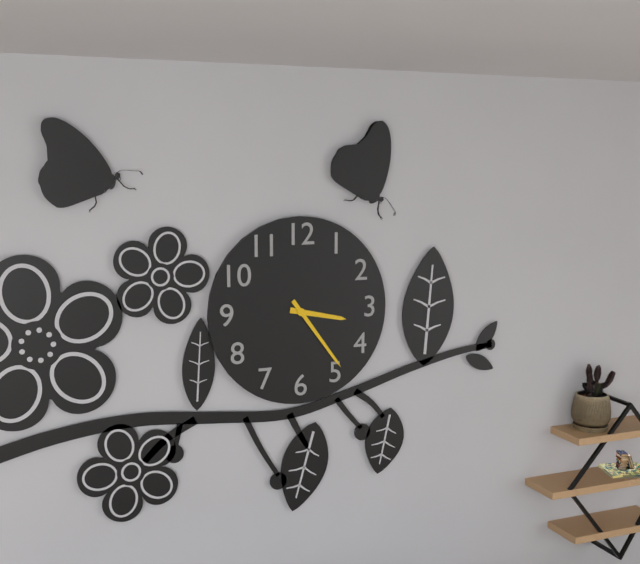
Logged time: 3,24
